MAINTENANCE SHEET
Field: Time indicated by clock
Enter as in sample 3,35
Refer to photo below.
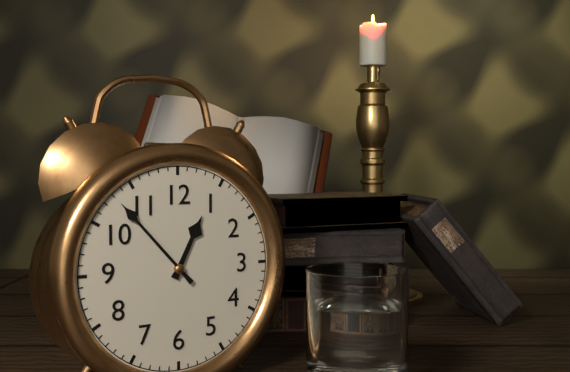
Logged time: 12,53
